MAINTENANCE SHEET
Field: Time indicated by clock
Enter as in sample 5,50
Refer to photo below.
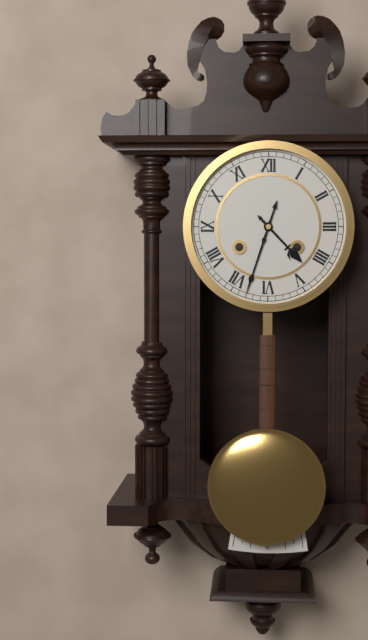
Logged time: 4,33
